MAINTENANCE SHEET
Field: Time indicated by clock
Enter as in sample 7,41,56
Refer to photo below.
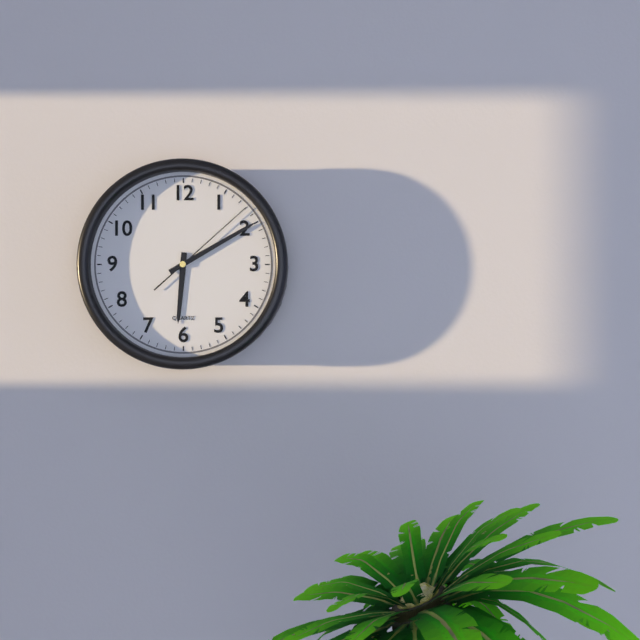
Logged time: 6,10,08
